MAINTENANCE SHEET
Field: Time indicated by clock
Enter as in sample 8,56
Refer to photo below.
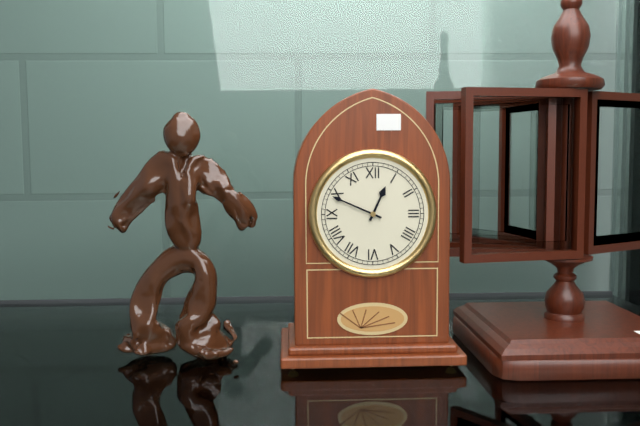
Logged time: 12,49
